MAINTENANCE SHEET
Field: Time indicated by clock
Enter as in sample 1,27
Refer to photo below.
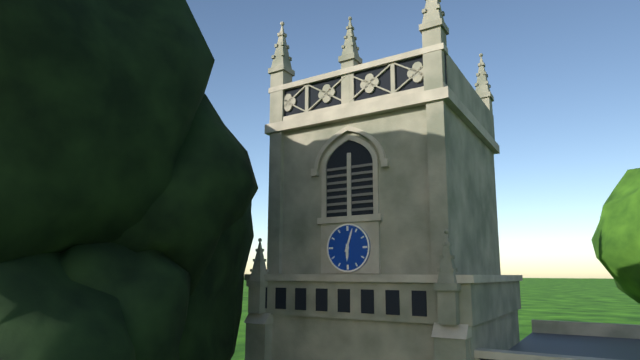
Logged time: 6,03
